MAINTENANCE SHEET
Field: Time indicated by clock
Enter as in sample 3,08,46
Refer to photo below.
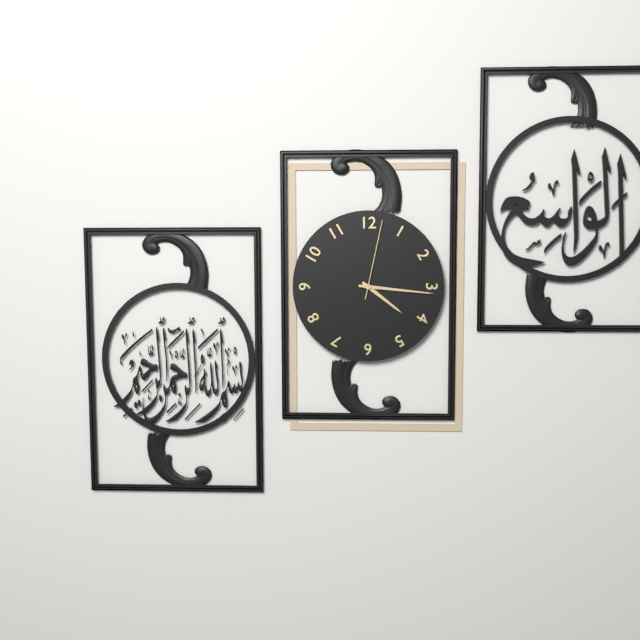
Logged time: 4,16,02
